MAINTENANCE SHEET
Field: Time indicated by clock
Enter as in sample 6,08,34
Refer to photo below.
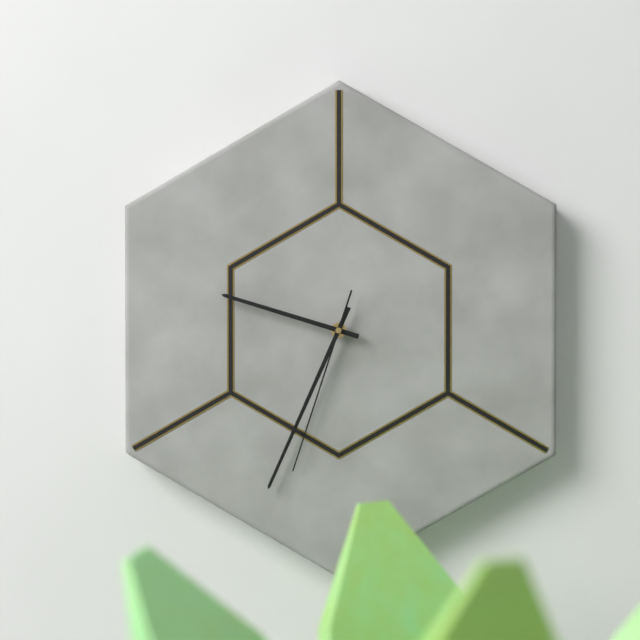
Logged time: 9,34,33
